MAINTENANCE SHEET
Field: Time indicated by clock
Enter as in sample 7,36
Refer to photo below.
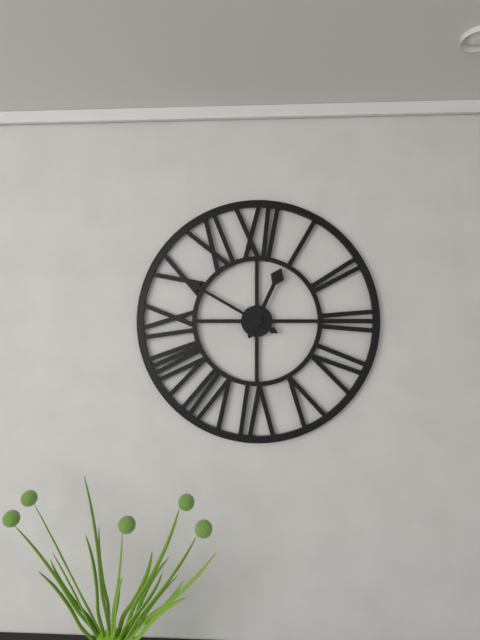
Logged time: 12,50
